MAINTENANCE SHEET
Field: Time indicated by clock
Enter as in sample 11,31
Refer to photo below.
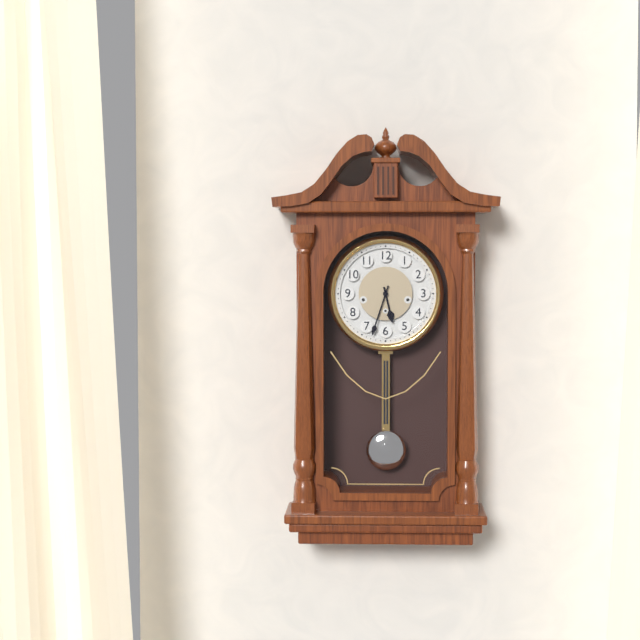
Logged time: 5,33
